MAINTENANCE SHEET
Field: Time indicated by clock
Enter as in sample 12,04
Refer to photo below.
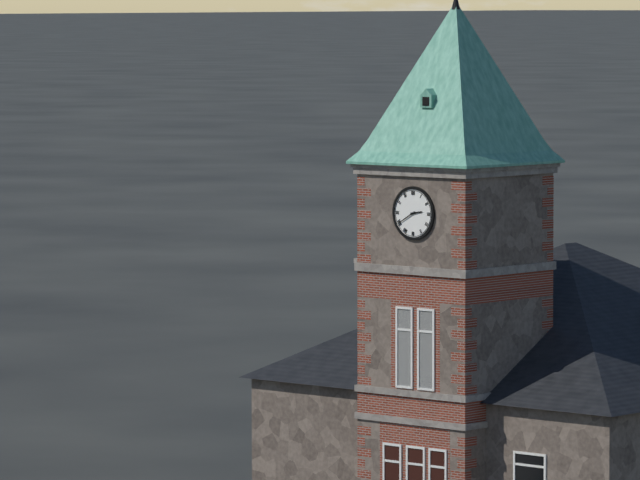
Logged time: 2,40
